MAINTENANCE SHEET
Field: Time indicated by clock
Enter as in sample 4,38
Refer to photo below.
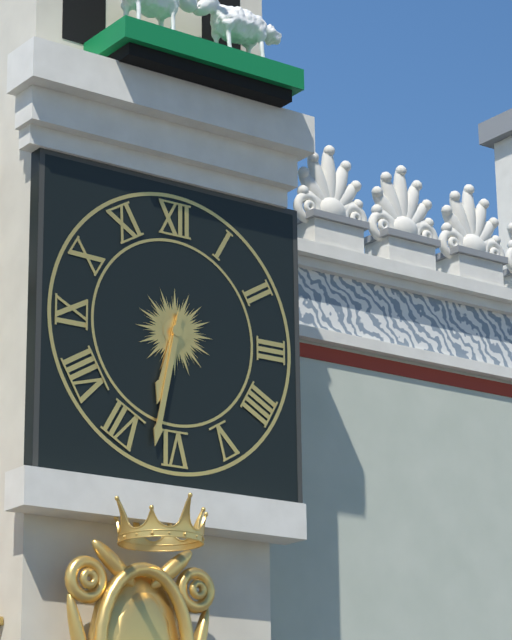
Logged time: 6,32
